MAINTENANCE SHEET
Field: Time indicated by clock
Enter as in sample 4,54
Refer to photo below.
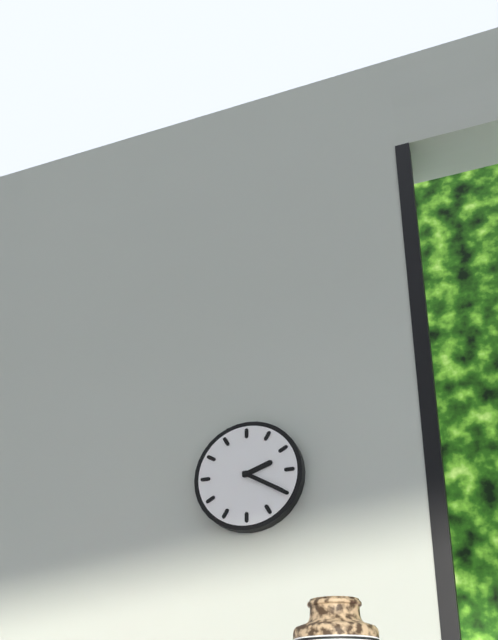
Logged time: 2,20
